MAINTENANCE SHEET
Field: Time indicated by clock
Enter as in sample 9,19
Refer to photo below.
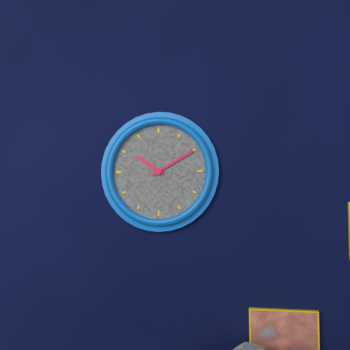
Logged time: 10,10
